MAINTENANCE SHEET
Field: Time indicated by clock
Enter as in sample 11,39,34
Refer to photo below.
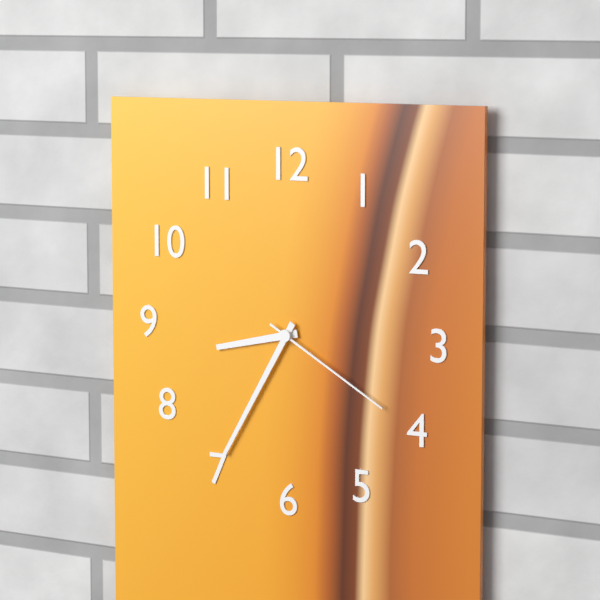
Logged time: 8,35,20
